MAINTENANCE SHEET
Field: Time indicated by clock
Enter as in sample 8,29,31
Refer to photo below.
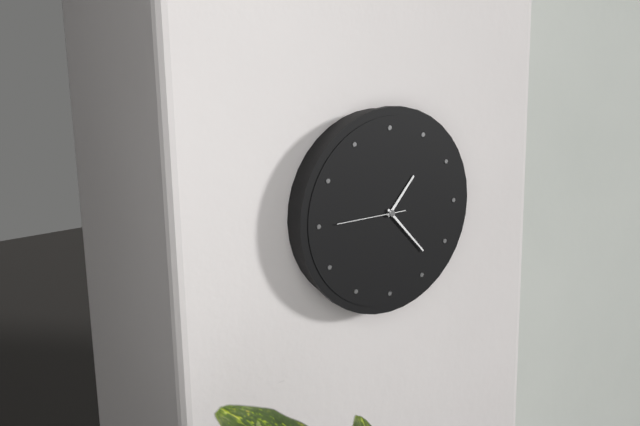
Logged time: 1,23,45
